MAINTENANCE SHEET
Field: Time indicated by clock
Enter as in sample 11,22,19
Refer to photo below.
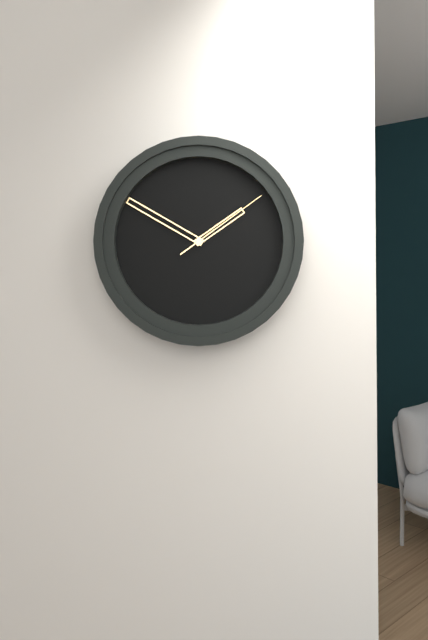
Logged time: 1,50,09
